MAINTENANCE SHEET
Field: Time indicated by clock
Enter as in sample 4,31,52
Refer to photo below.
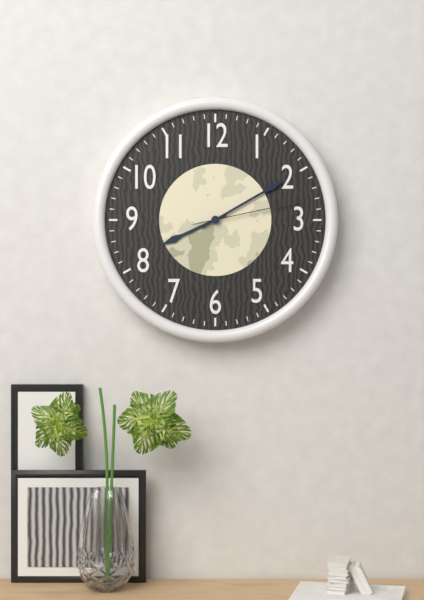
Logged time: 8,10,13
